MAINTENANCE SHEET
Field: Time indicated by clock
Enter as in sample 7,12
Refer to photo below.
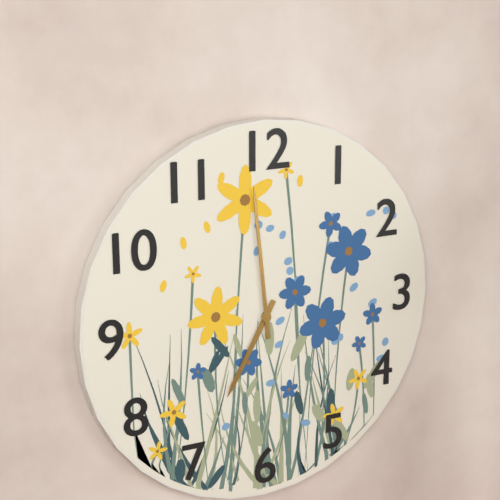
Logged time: 6,59
